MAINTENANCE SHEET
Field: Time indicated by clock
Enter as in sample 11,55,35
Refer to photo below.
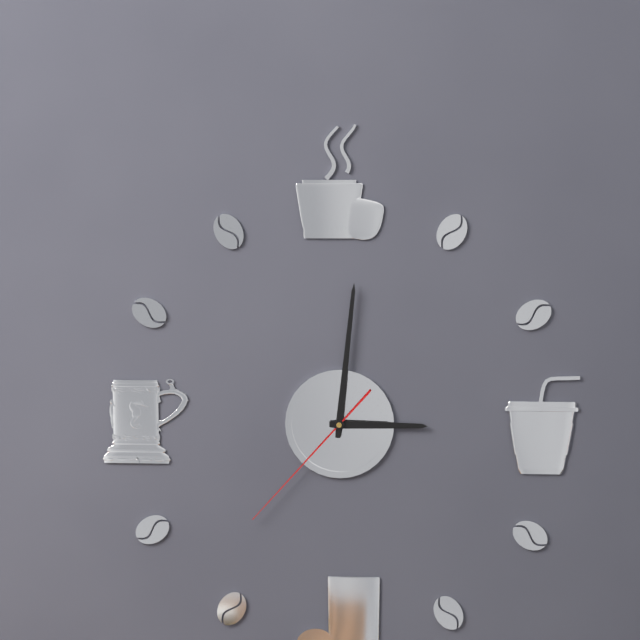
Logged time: 3,01,37
